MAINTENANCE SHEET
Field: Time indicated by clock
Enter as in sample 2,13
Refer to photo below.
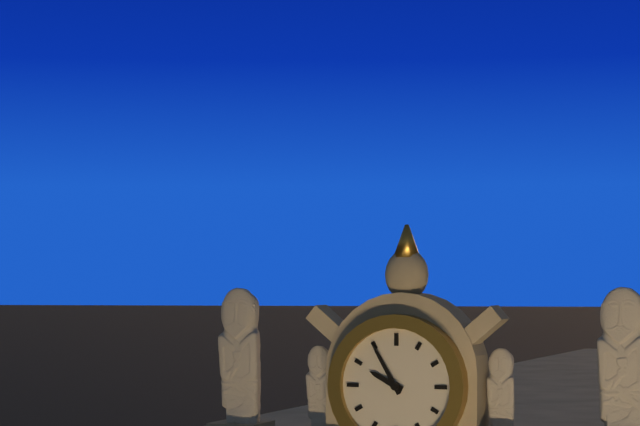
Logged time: 9,55
